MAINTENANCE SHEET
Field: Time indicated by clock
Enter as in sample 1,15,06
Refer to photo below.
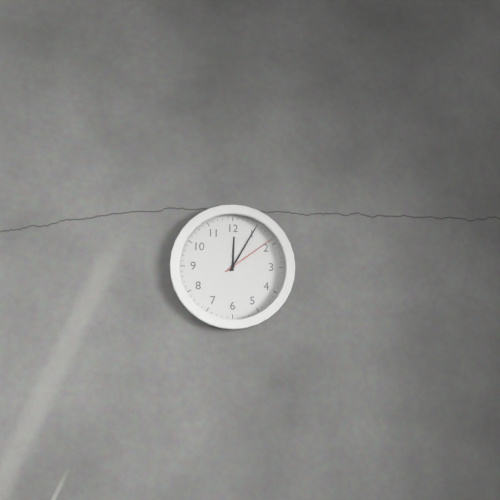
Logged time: 12,05,09
